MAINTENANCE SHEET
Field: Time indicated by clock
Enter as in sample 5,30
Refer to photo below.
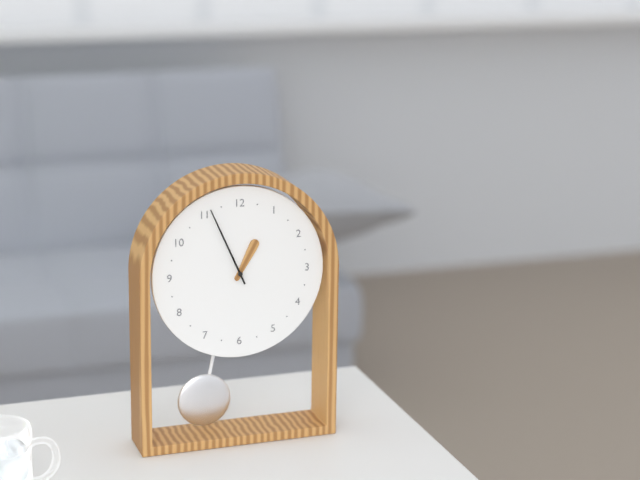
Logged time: 12,56
